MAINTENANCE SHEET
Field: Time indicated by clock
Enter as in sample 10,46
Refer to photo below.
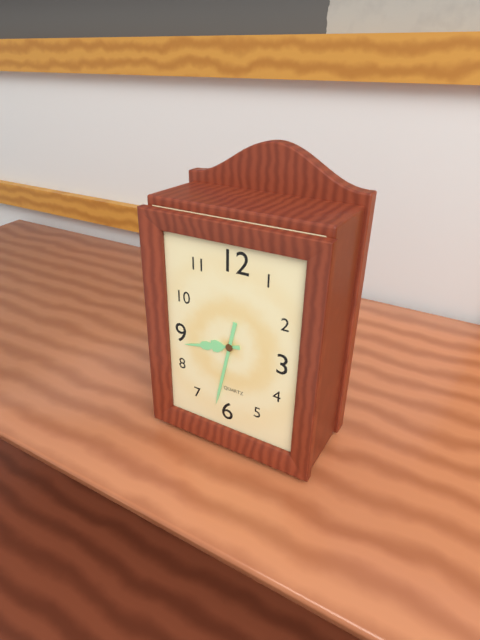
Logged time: 8,32
